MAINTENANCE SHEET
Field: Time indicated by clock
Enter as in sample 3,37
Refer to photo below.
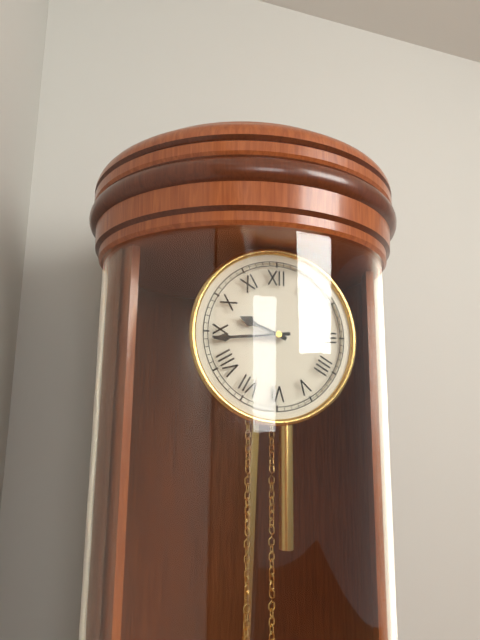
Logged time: 9,44
